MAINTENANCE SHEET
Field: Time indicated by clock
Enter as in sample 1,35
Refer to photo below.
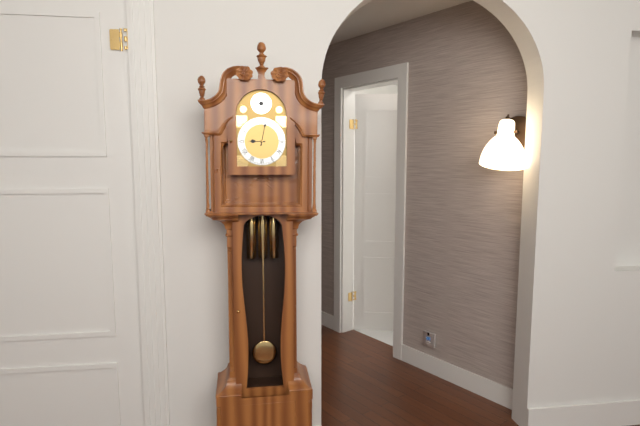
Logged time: 9,02
